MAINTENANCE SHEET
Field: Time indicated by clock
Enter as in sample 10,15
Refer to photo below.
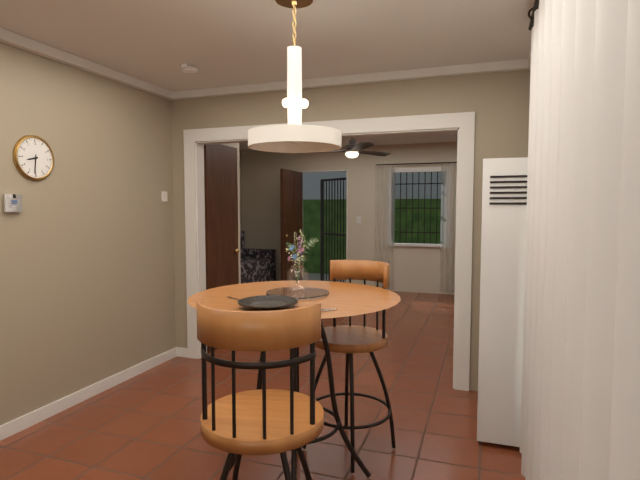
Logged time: 8,31
